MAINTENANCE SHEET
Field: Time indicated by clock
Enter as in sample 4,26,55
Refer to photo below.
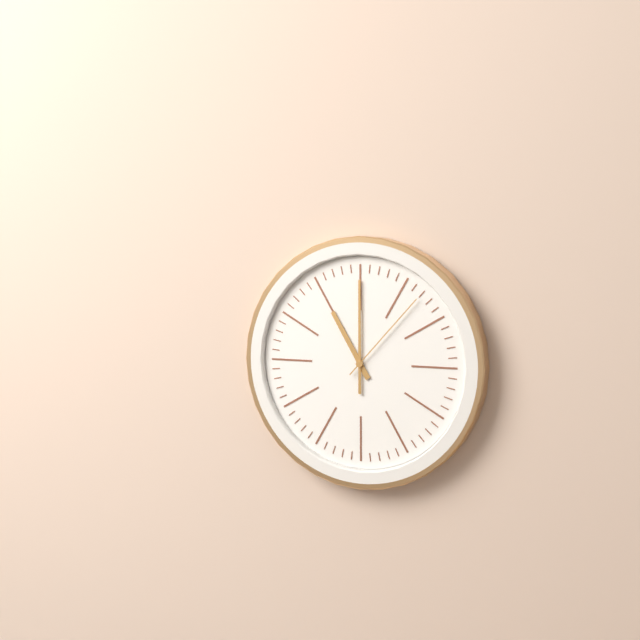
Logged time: 11,00,07
